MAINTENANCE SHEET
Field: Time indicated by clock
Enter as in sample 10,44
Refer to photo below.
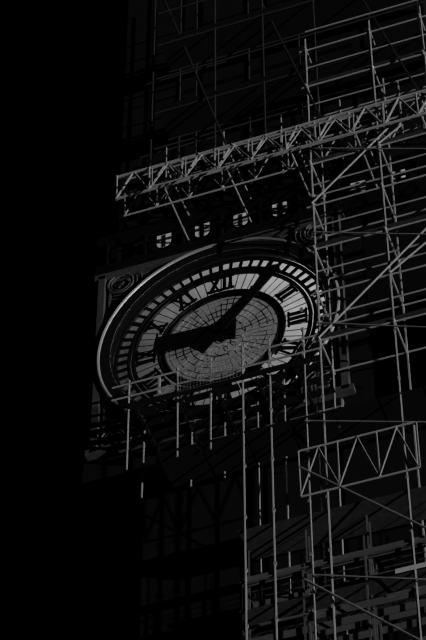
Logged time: 9,07
